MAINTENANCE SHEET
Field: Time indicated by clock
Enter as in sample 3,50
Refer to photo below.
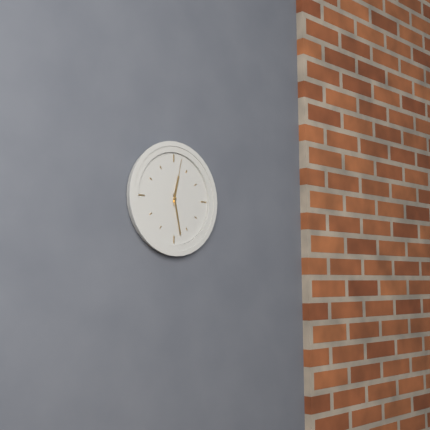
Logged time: 12,28
